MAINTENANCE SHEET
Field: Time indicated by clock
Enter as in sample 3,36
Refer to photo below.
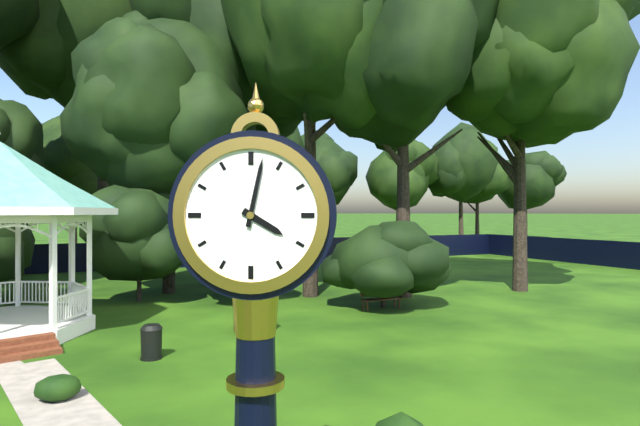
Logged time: 4,02
